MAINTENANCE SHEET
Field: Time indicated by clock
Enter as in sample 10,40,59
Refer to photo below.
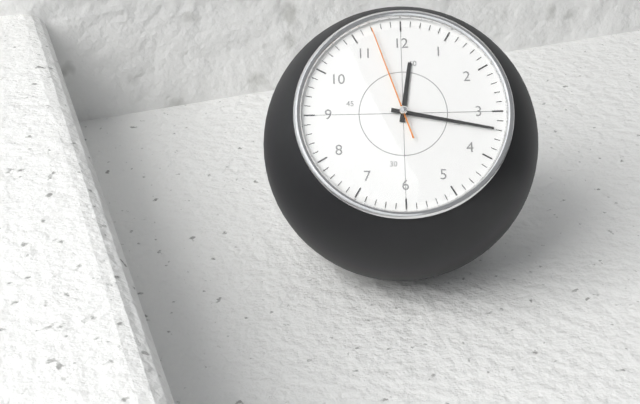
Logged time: 12,17,57
